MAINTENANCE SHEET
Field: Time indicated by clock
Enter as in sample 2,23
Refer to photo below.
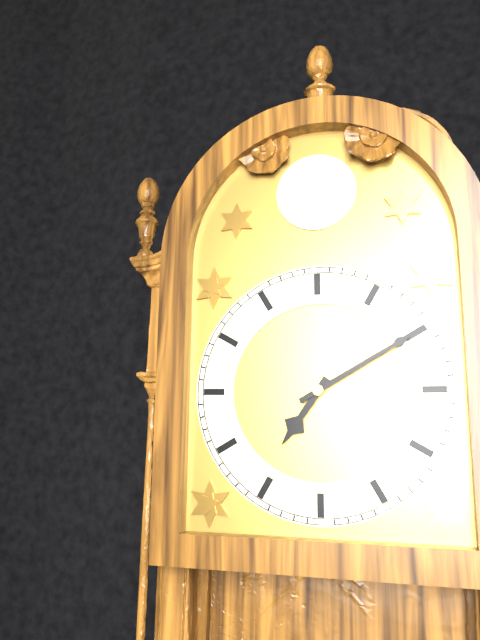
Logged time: 7,10
